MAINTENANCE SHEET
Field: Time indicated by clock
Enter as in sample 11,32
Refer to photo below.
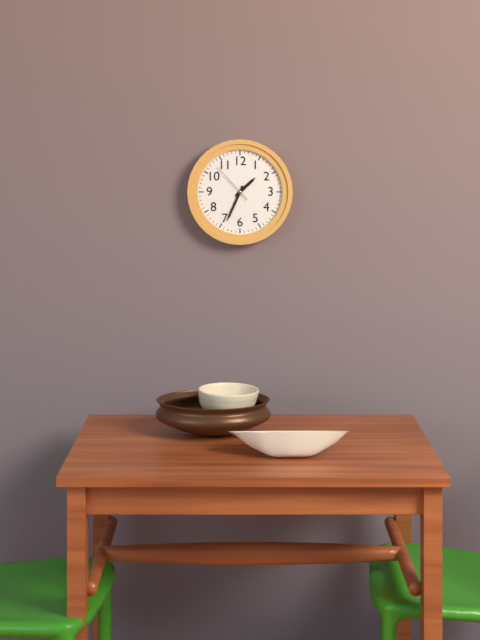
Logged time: 1,34
